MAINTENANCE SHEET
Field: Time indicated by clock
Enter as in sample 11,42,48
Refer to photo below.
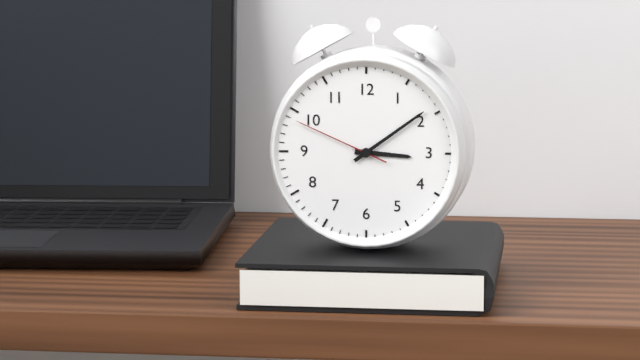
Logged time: 3,09,49
